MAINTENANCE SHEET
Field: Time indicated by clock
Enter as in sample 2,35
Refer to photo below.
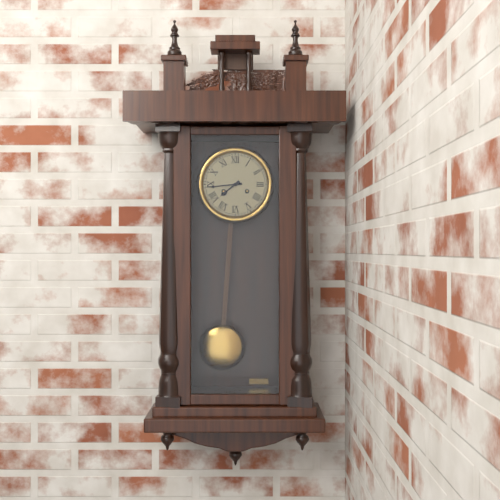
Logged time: 7,44
